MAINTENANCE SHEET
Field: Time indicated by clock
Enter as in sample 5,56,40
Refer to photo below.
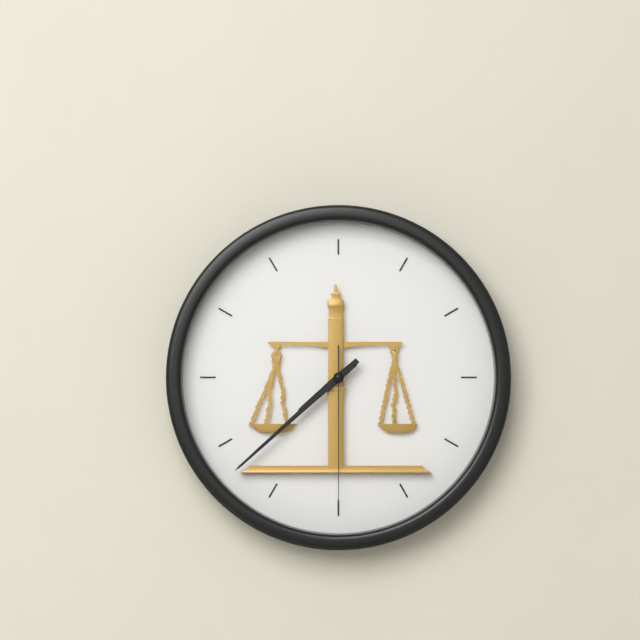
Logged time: 7,38,30
